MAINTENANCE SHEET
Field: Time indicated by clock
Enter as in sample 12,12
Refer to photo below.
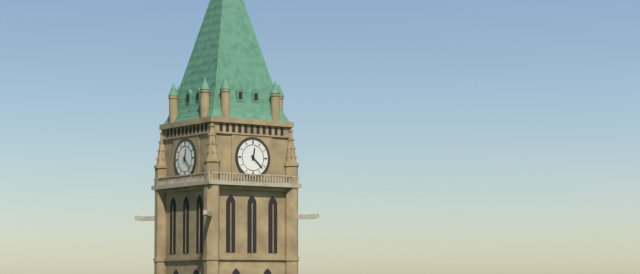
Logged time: 12,22
